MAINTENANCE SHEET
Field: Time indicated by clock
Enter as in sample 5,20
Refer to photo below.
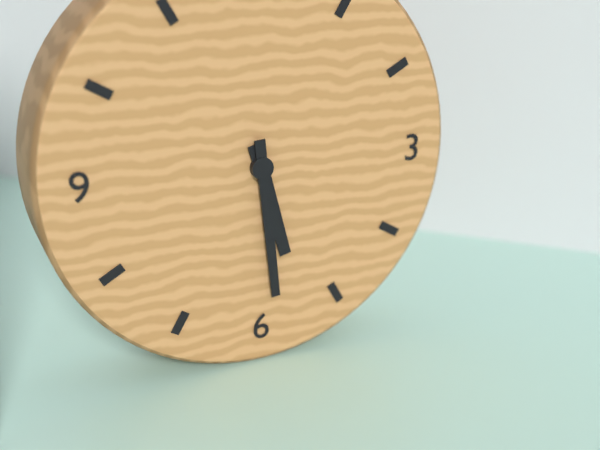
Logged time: 5,29
